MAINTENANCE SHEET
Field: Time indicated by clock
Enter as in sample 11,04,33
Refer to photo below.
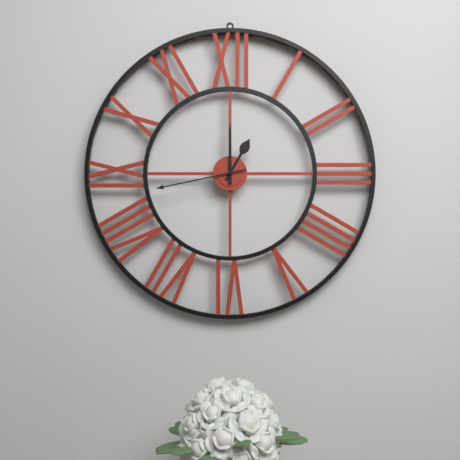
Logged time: 1,00,43
